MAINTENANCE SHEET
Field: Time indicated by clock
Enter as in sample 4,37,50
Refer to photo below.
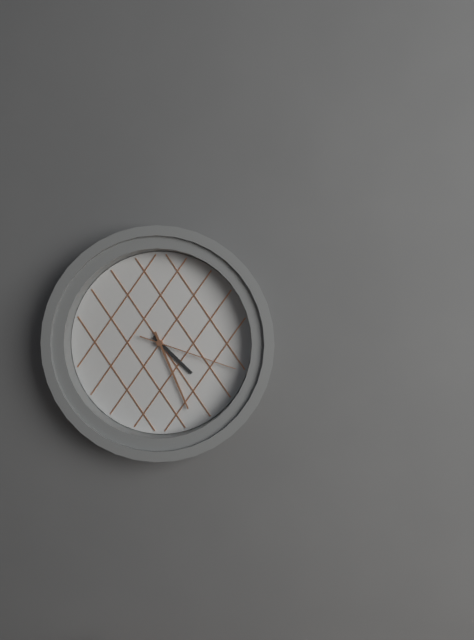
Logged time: 4,26,18
